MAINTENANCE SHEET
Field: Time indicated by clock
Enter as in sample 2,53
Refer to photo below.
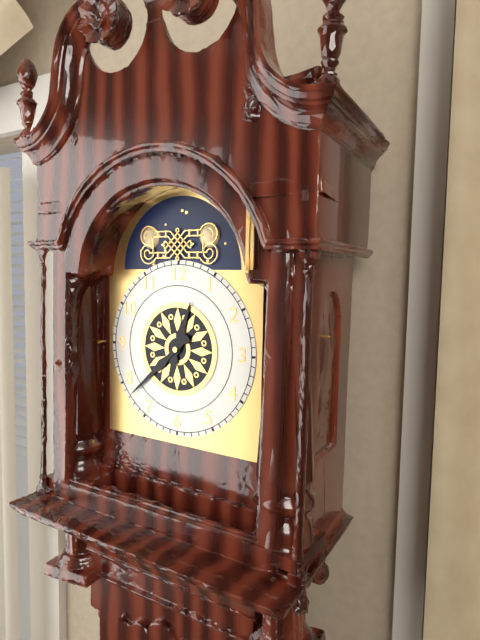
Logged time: 12,38
